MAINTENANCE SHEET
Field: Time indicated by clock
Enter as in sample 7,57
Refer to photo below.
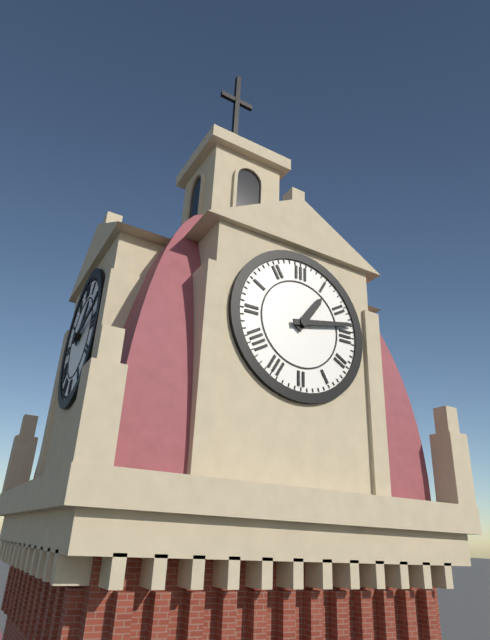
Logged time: 1,13
